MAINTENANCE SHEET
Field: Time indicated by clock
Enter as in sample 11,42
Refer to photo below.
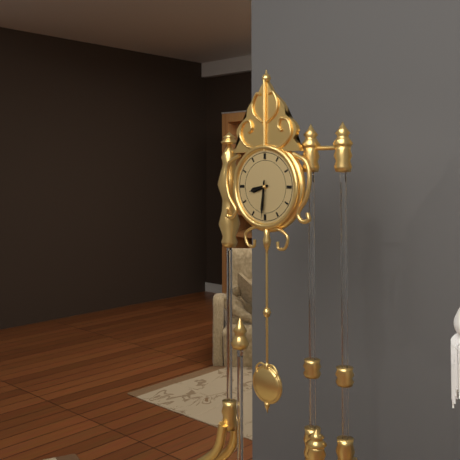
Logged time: 8,31
